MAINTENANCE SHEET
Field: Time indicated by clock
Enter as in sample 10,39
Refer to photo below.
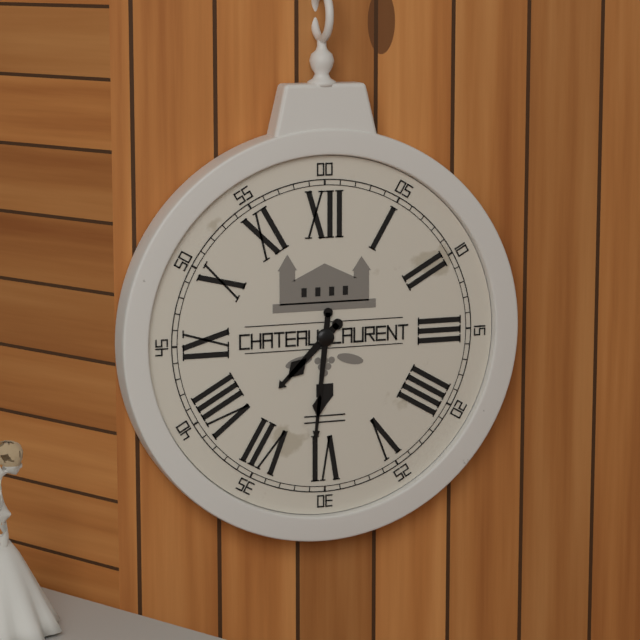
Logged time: 7,31
